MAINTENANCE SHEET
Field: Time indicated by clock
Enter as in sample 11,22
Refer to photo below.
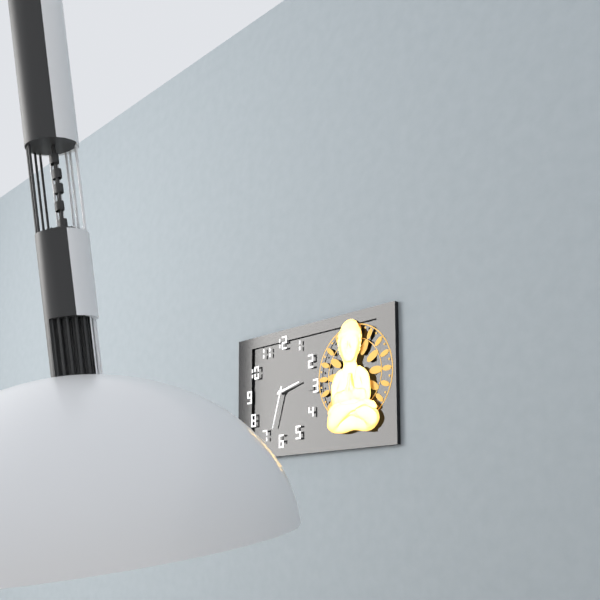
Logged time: 2,33
